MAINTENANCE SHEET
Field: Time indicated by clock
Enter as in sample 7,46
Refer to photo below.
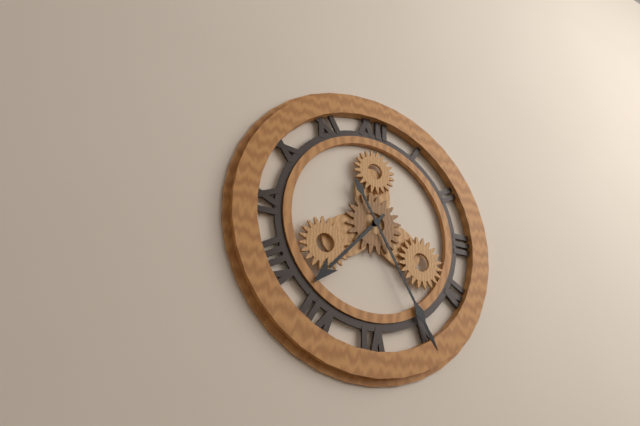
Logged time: 7,25
